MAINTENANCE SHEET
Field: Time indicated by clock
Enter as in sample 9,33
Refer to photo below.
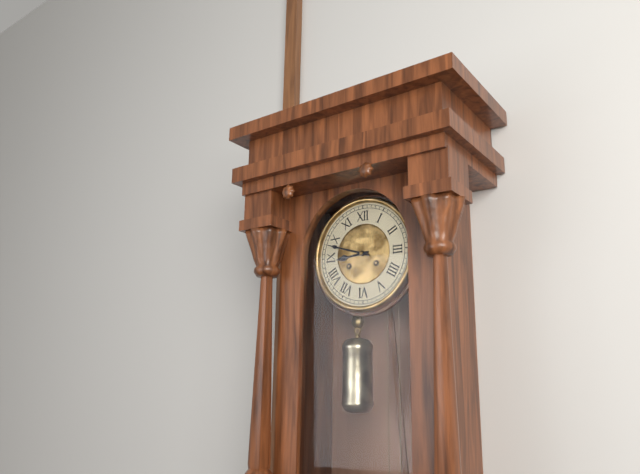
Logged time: 8,48
